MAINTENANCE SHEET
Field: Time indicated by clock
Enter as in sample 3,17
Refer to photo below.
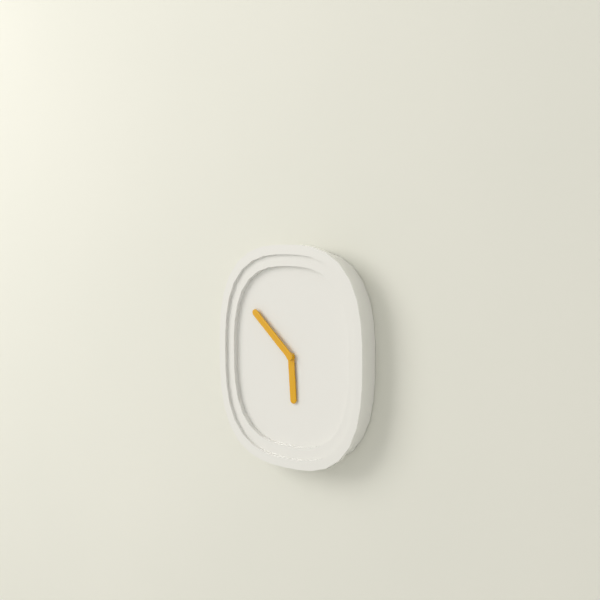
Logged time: 5,52
